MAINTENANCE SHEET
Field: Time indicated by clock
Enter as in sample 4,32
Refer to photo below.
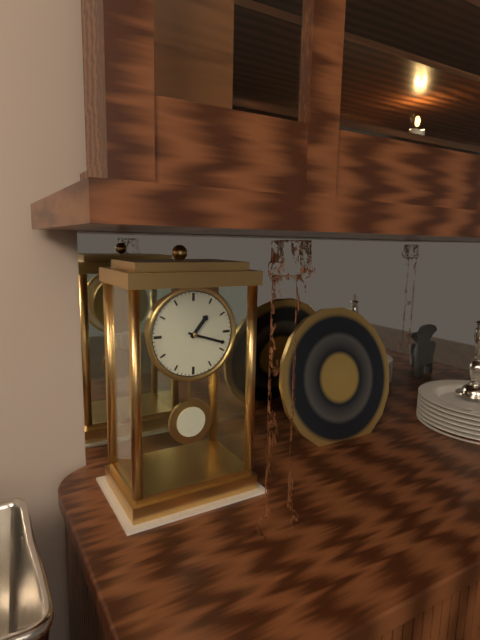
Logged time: 1,18
